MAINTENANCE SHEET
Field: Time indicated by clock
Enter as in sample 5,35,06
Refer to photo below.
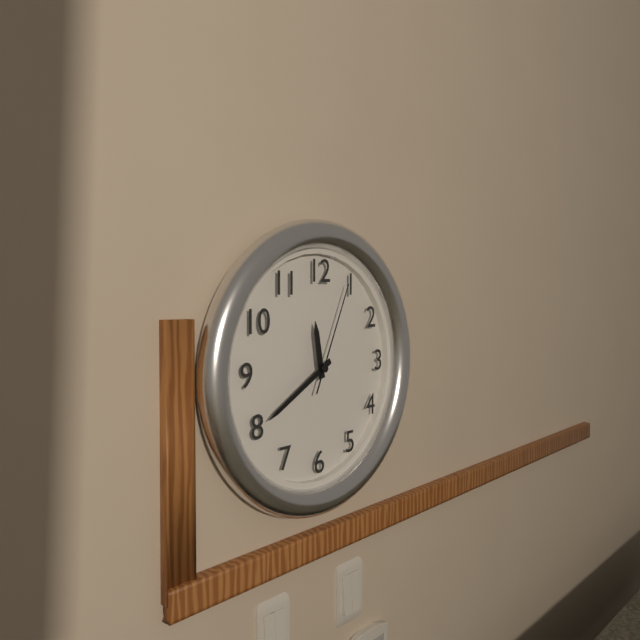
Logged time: 11,40,04
